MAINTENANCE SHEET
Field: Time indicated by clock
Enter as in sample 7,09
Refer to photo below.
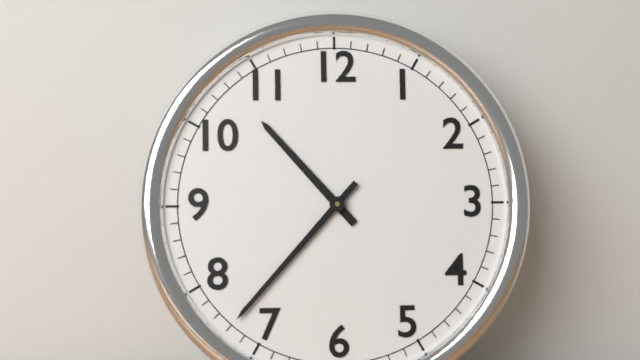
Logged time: 10,37
